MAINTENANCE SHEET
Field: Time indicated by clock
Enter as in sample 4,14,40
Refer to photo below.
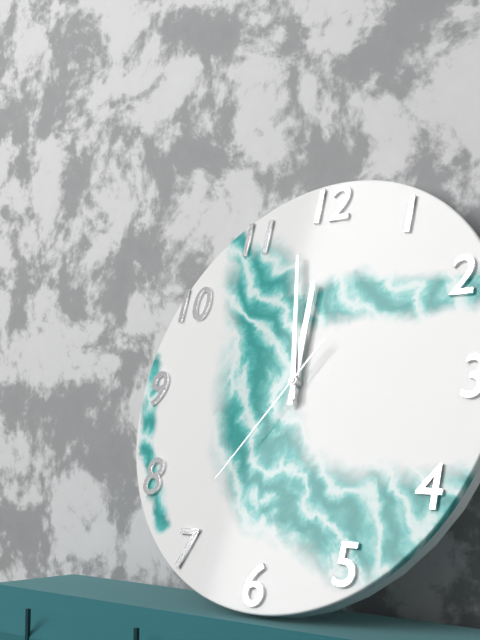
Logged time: 11,58,36
